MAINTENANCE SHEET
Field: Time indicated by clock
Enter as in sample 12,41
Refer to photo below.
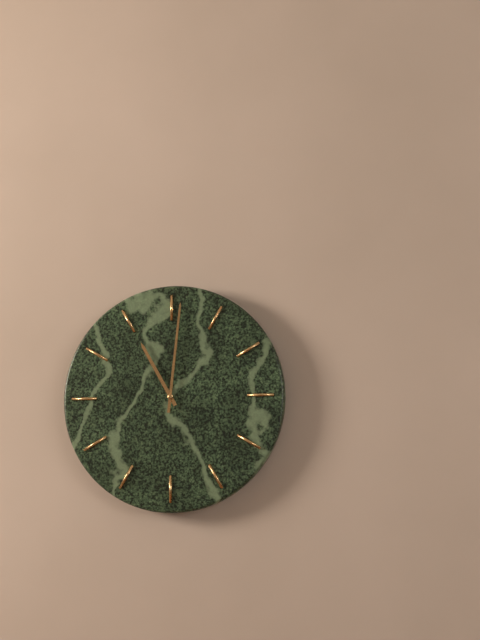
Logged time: 11,01
